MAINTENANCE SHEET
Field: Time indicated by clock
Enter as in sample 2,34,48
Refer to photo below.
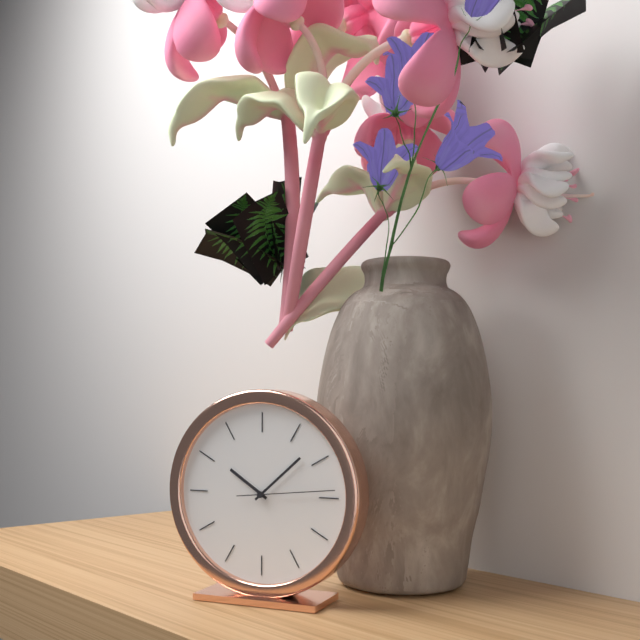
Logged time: 10,08,14
